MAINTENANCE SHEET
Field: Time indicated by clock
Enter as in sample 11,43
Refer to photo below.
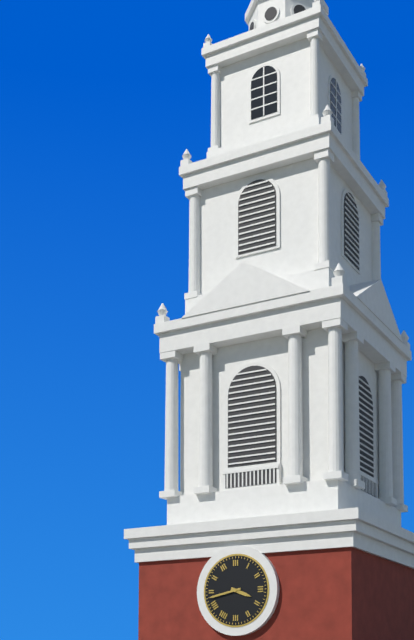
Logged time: 3,43
